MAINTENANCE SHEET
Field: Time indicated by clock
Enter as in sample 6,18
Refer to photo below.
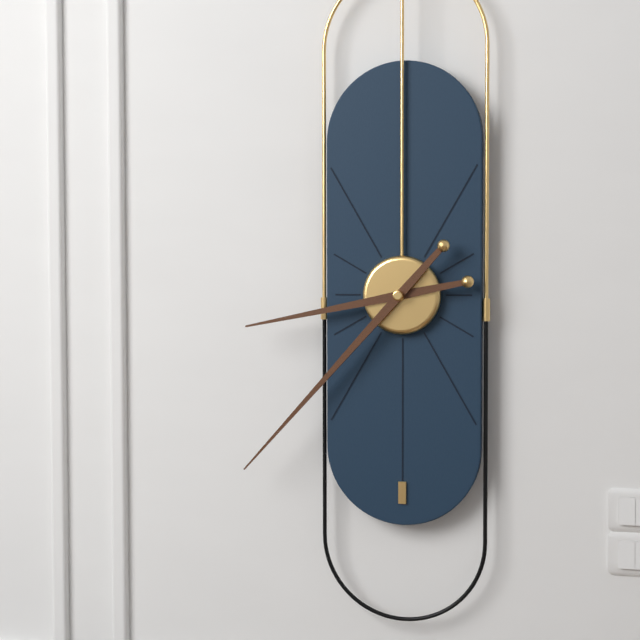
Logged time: 8,37
